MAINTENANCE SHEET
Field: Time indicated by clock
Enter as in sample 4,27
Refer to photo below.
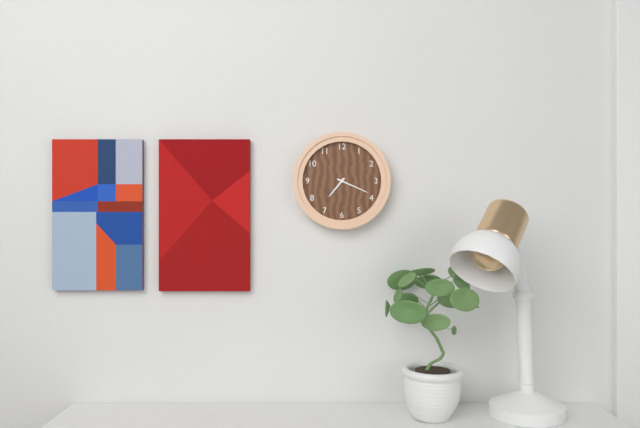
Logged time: 7,19
